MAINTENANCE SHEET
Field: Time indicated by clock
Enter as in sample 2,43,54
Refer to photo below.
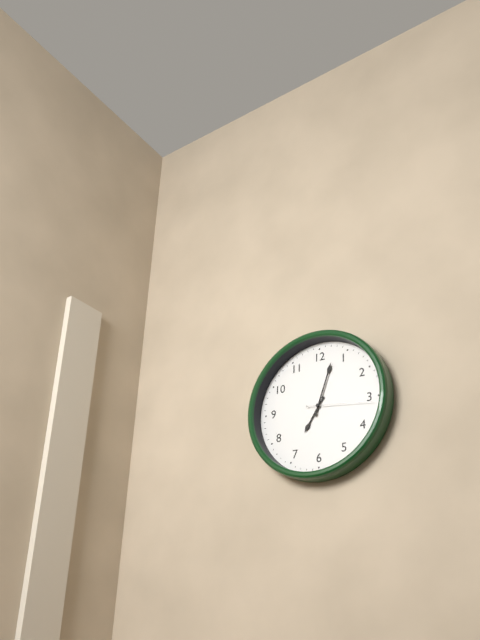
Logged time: 7,03,16
